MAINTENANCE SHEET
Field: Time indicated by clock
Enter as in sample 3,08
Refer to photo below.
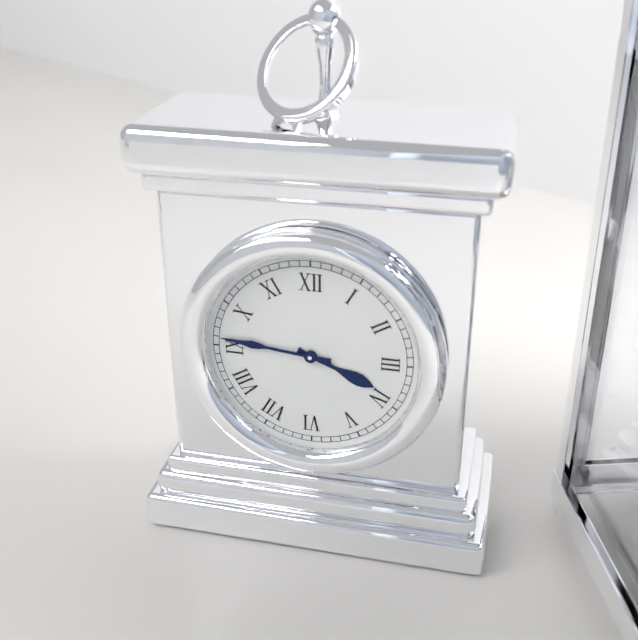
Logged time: 3,46
